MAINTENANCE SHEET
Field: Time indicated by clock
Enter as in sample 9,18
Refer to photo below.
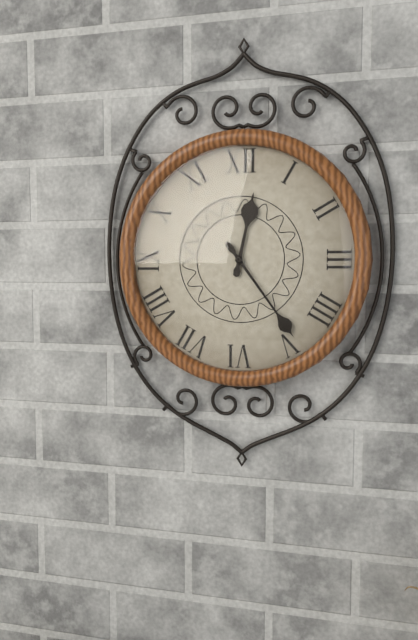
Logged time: 12,24
